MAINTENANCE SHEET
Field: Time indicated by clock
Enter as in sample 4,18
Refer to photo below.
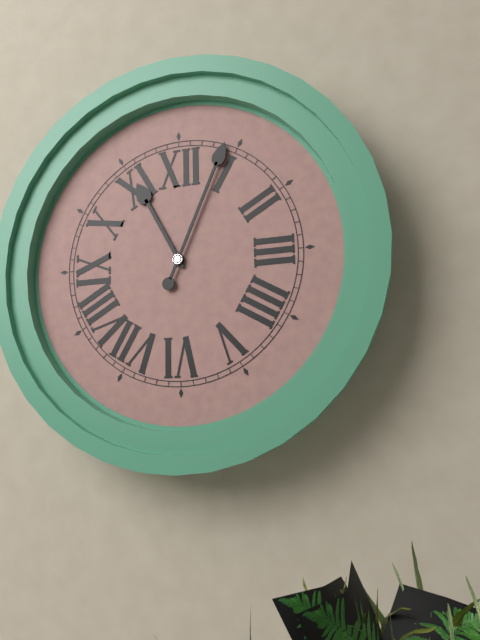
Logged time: 11,04
